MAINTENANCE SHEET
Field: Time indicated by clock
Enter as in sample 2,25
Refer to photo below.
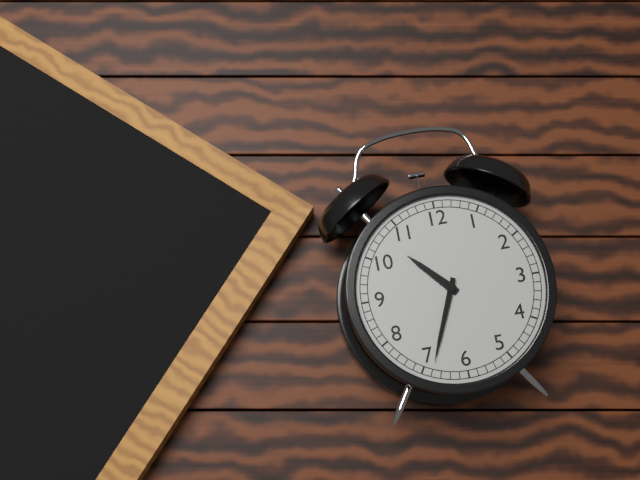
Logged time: 10,34
